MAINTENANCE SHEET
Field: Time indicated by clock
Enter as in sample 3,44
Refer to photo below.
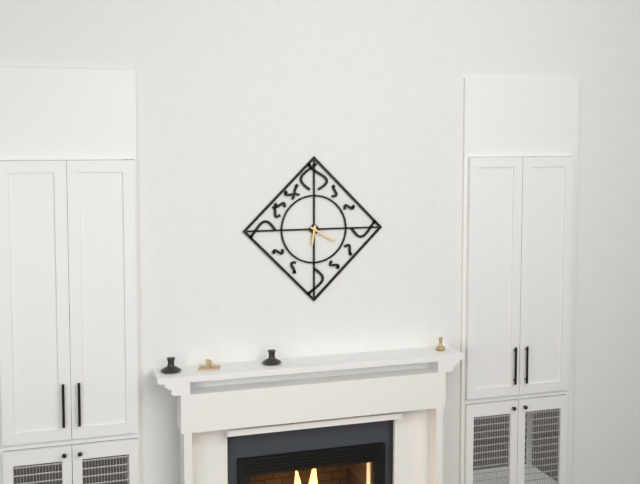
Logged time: 6,20
